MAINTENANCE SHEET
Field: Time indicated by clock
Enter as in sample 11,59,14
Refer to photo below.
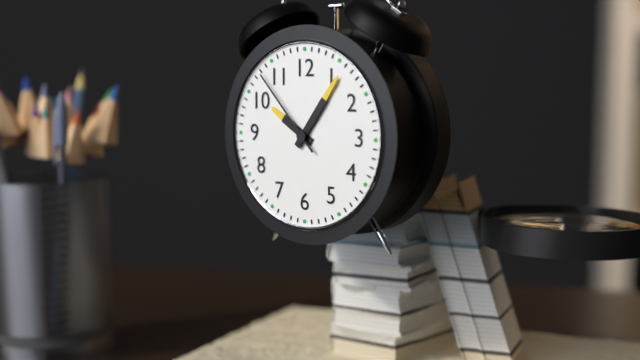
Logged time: 10,06,53
